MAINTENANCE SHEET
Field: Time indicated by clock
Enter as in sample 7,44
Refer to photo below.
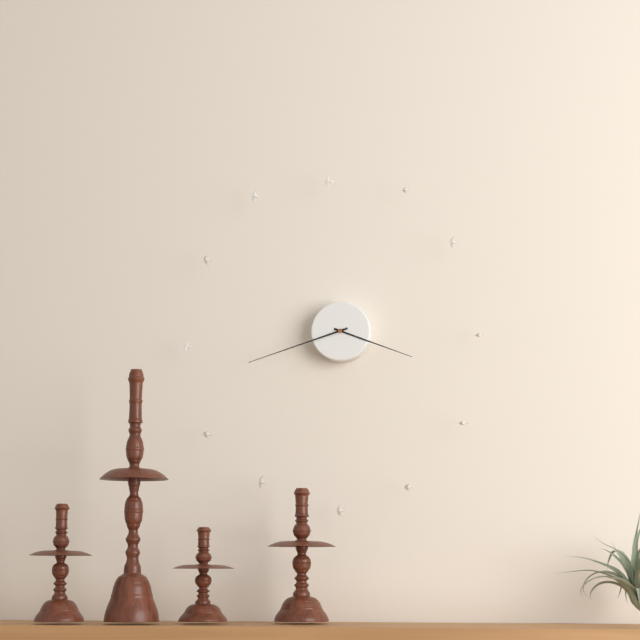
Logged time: 3,42
